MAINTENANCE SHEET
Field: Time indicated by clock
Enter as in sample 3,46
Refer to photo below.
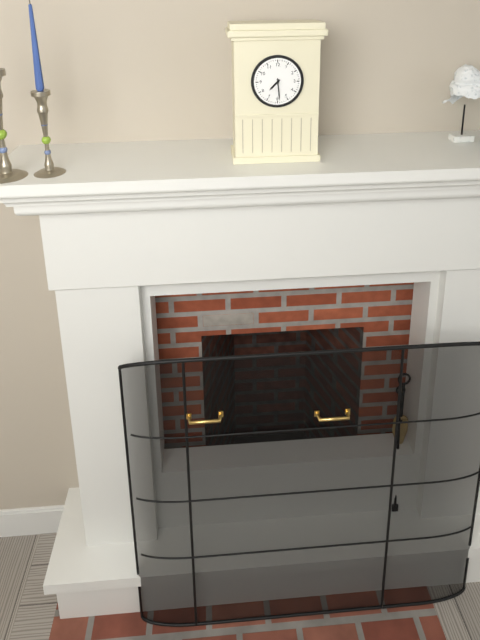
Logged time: 7,29
